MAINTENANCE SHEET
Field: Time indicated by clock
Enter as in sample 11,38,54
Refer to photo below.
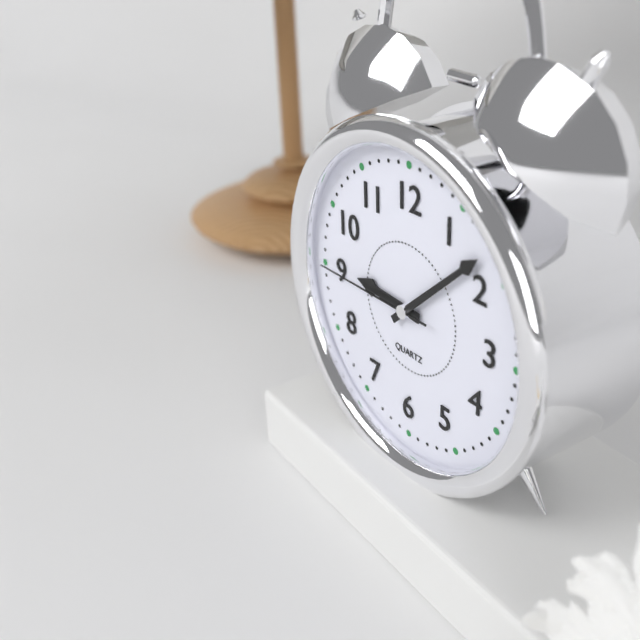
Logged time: 9,08,45
